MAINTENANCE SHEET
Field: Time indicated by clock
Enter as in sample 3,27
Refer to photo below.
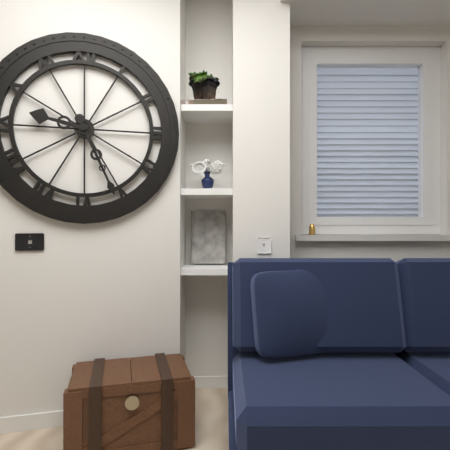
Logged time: 9,26
